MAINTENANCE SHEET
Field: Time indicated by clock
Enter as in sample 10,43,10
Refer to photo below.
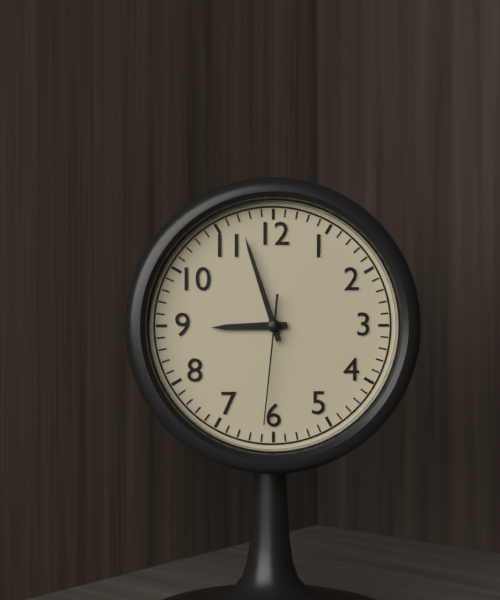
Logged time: 8,57,31
